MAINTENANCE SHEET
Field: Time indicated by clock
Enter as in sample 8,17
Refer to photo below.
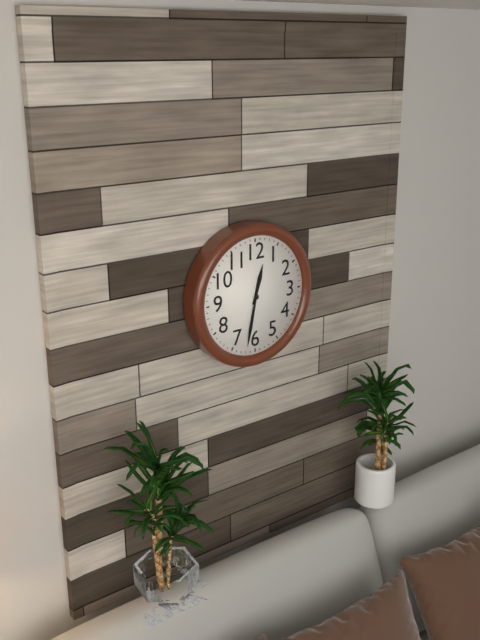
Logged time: 12,32
